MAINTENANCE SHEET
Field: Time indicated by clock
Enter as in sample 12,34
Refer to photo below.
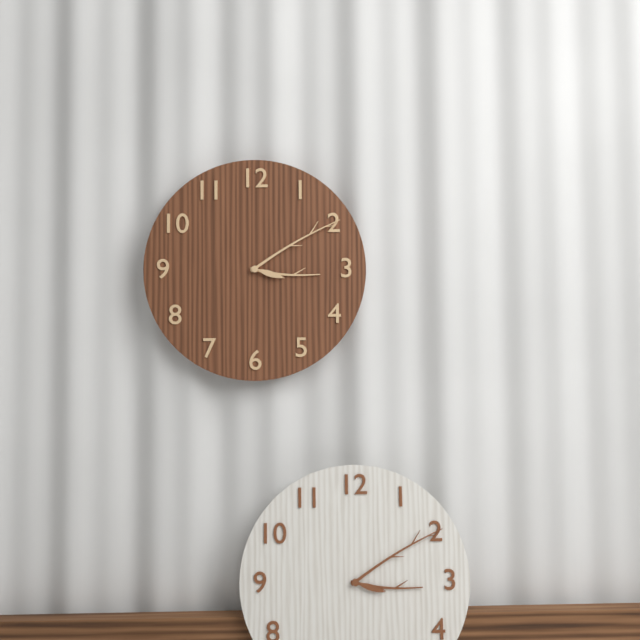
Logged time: 3,10
